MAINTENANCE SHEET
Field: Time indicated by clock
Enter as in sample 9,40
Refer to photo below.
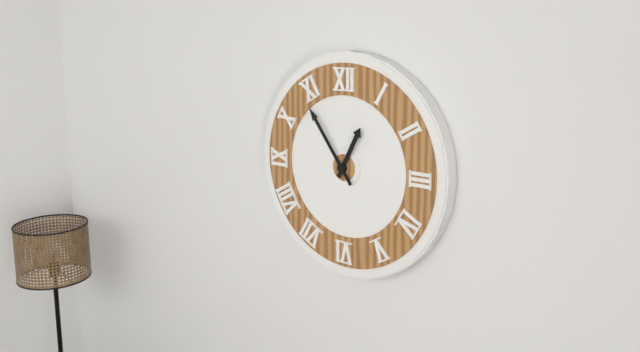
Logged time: 12,54
